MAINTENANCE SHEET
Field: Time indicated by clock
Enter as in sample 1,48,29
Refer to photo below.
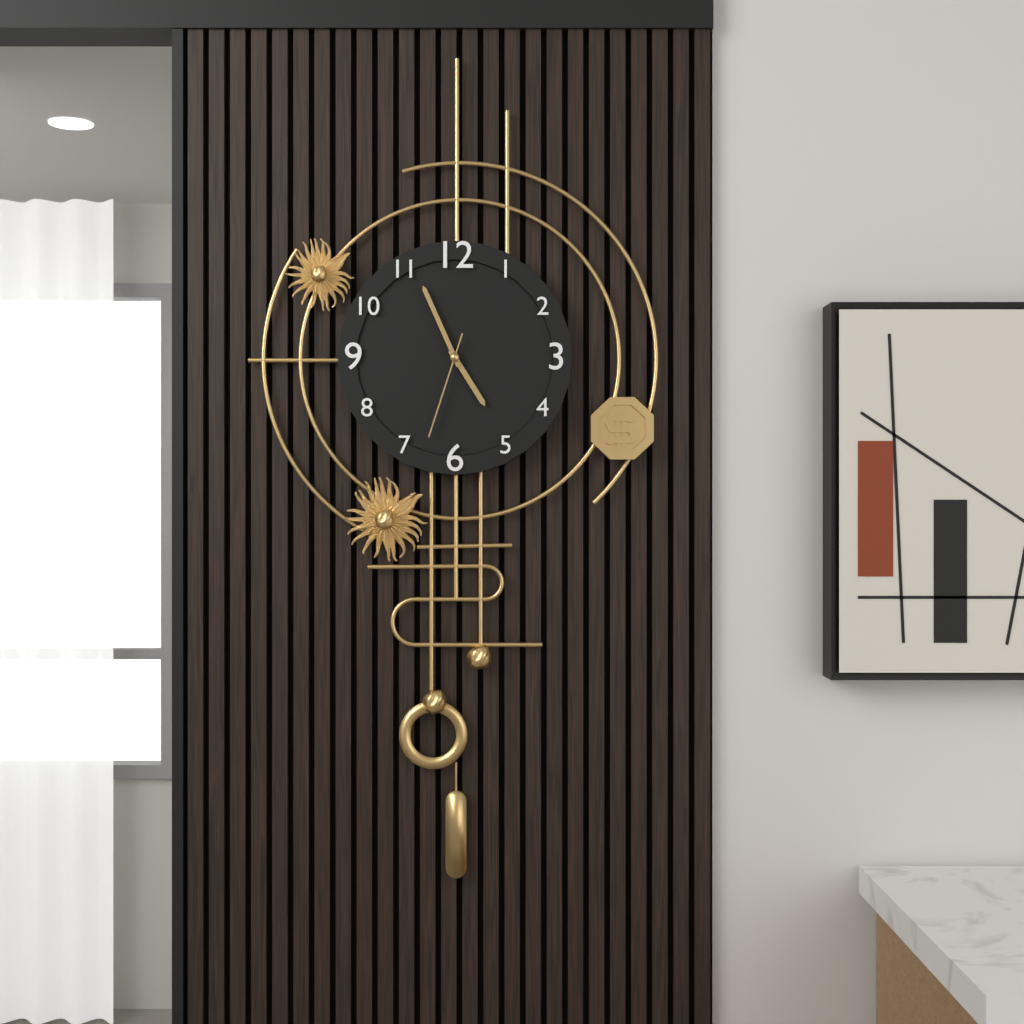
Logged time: 4,56,33
